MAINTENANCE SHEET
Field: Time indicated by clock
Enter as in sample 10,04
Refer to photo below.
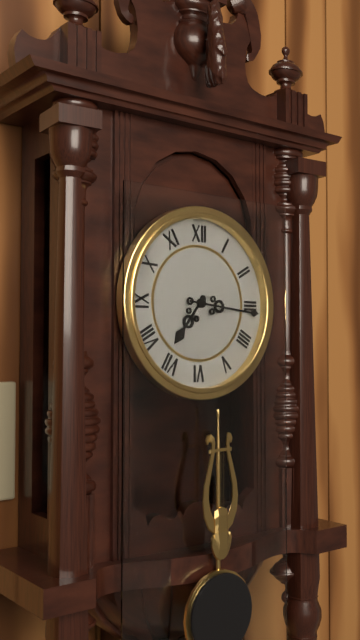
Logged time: 7,16
